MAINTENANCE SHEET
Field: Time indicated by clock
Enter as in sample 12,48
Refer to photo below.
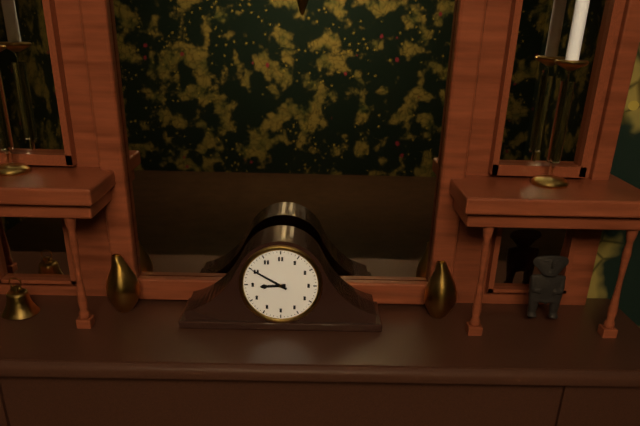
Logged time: 8,50
